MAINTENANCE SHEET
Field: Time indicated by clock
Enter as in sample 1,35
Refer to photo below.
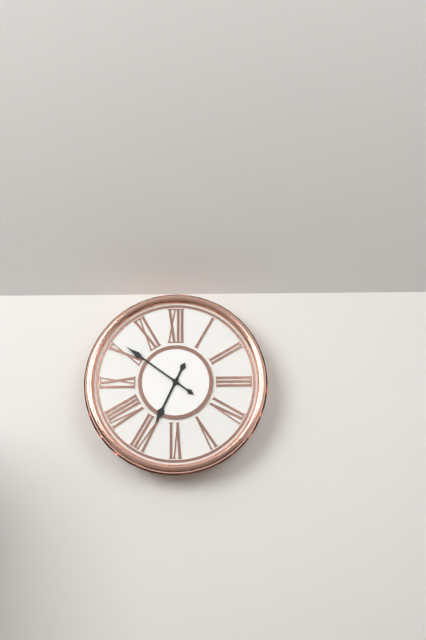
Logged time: 6,51
